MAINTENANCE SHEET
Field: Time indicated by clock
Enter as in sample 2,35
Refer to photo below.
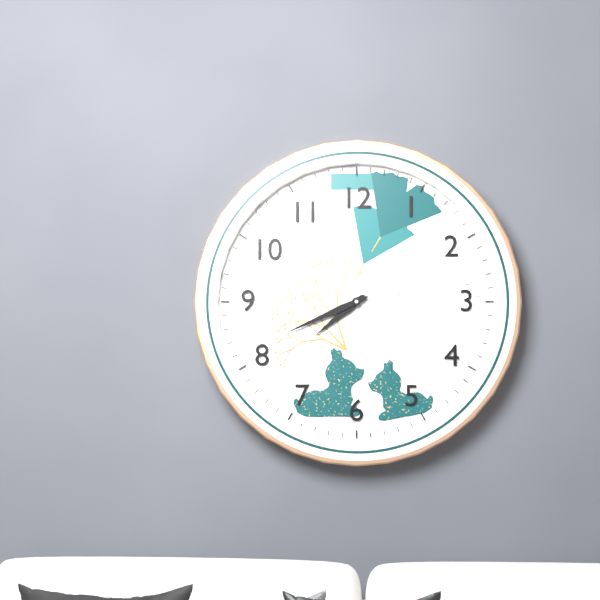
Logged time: 7,41
